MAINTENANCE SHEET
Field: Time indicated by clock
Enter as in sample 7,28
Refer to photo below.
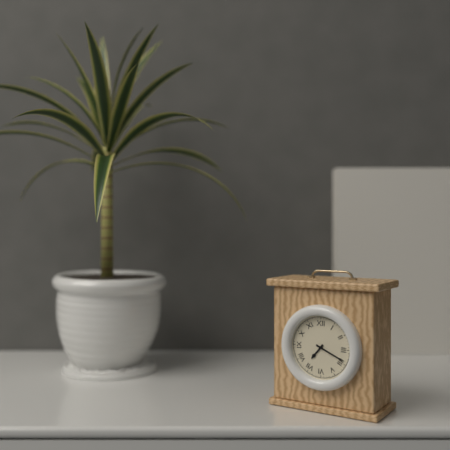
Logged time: 7,19
